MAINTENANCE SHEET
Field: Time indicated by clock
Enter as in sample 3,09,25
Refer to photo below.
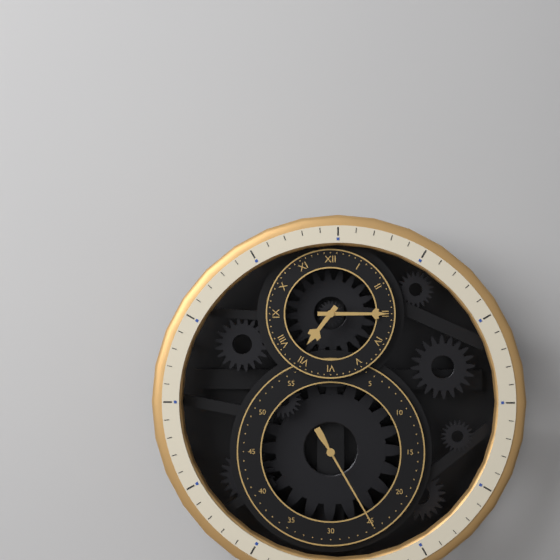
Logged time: 7,15,25
